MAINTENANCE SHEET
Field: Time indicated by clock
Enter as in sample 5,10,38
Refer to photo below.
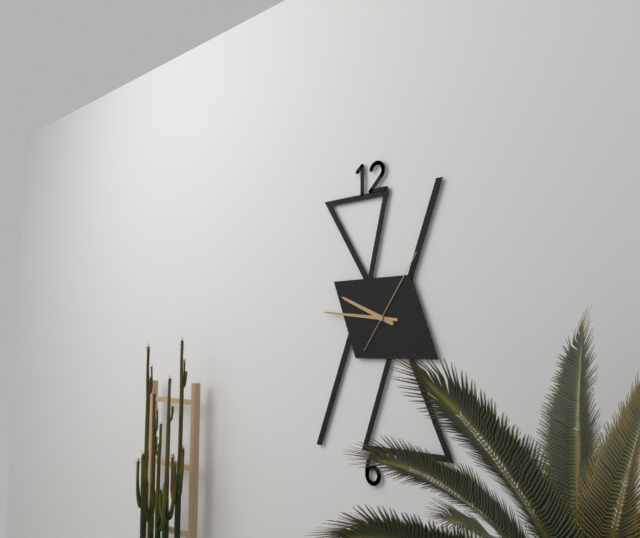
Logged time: 9,46,06
